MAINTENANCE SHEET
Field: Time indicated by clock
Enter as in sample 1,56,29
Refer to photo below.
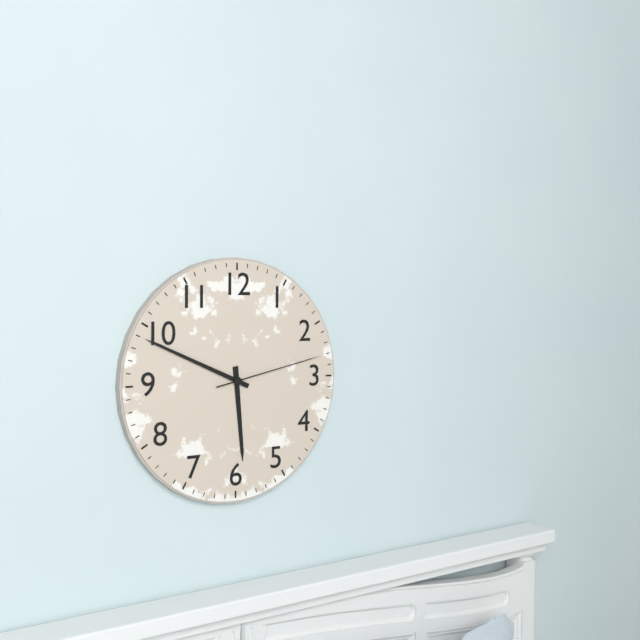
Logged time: 5,49,13
